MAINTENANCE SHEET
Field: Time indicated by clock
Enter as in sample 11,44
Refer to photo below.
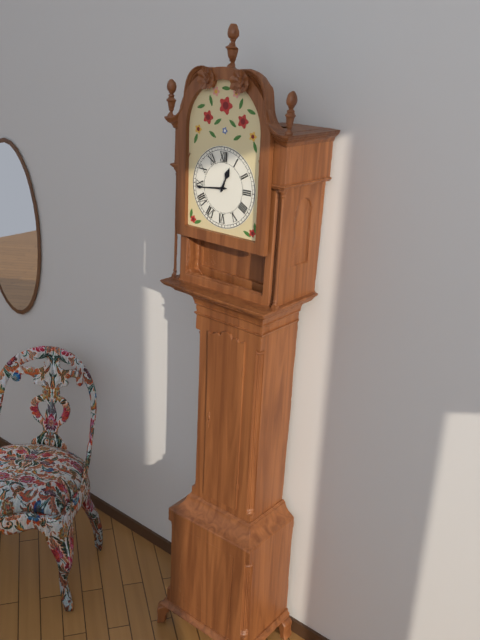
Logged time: 12,44
